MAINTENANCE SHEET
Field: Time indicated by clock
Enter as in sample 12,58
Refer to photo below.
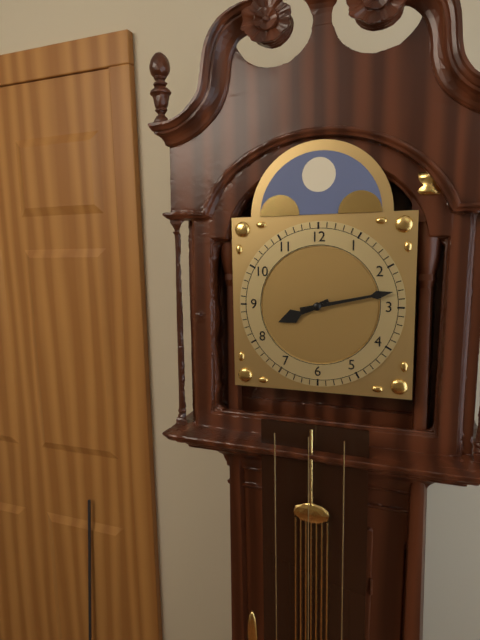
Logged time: 8,13
